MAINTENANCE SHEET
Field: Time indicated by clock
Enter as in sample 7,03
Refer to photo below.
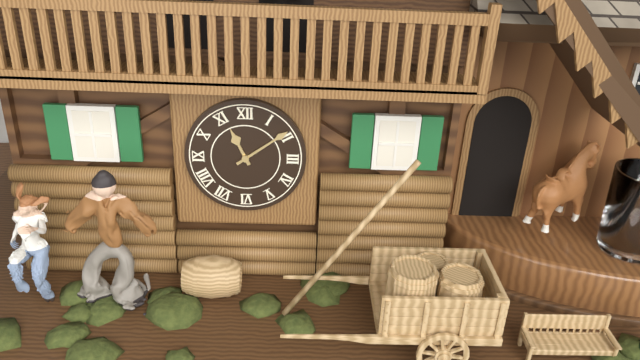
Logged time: 11,09
